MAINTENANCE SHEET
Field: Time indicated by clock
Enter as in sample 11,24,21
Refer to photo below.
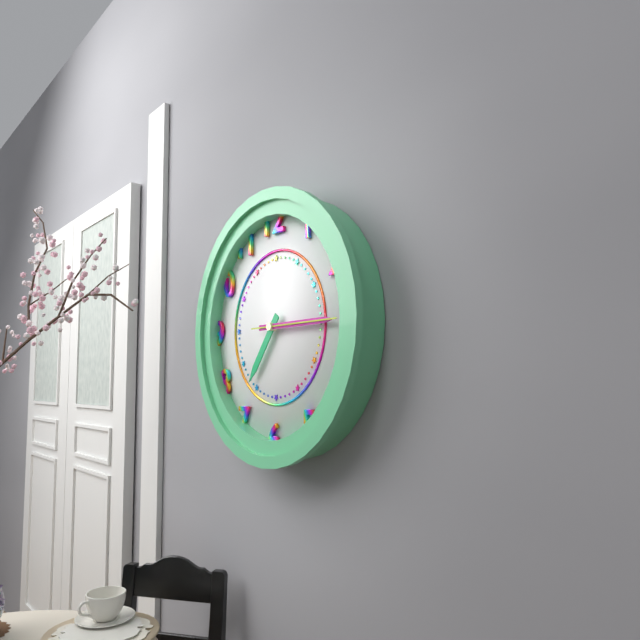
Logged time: 7,15,15
